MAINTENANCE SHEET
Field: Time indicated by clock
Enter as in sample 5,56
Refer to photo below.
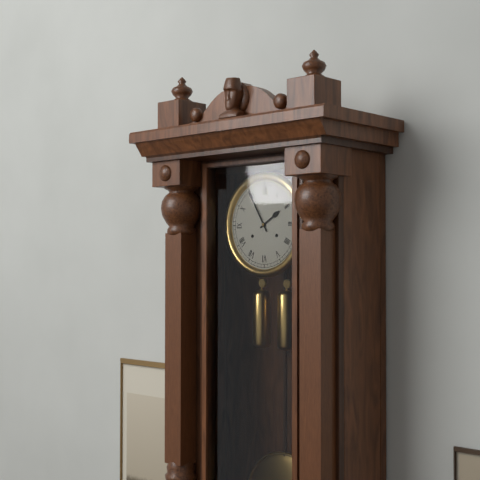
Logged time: 1,55
